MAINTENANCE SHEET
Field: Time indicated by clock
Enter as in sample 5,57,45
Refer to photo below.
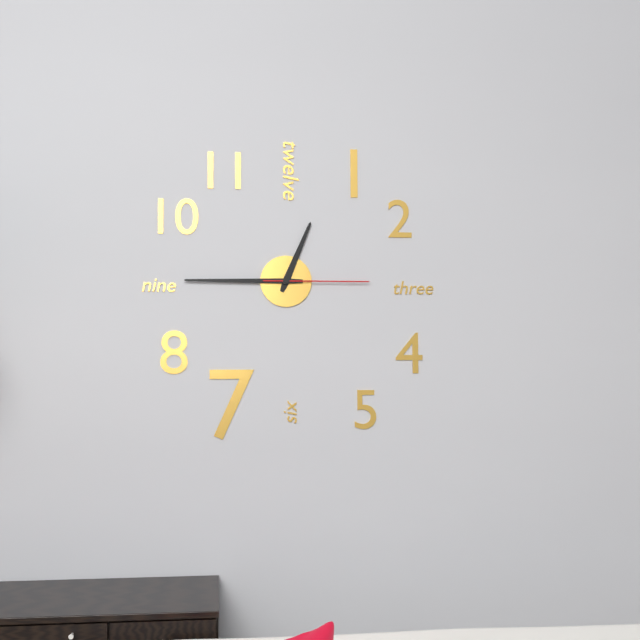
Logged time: 12,45,15
